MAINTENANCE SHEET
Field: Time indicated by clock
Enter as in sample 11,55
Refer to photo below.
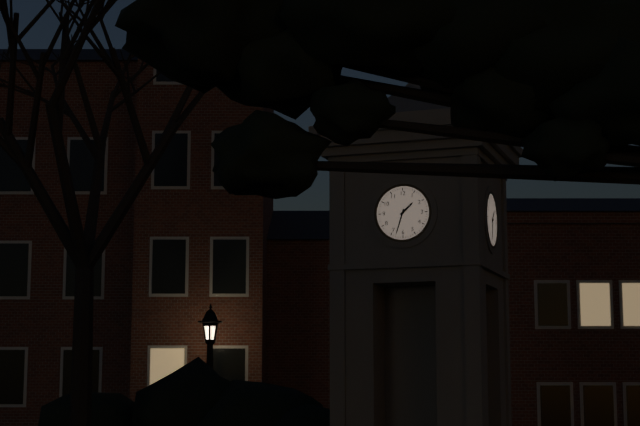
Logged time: 1,33
